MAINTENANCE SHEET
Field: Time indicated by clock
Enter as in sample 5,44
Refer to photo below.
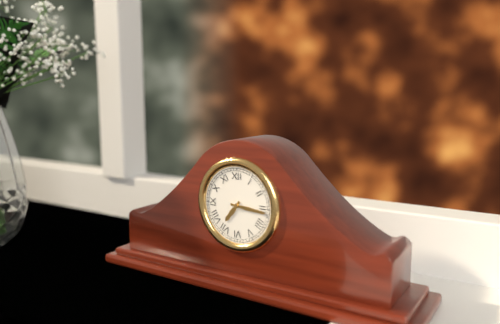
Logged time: 7,16
